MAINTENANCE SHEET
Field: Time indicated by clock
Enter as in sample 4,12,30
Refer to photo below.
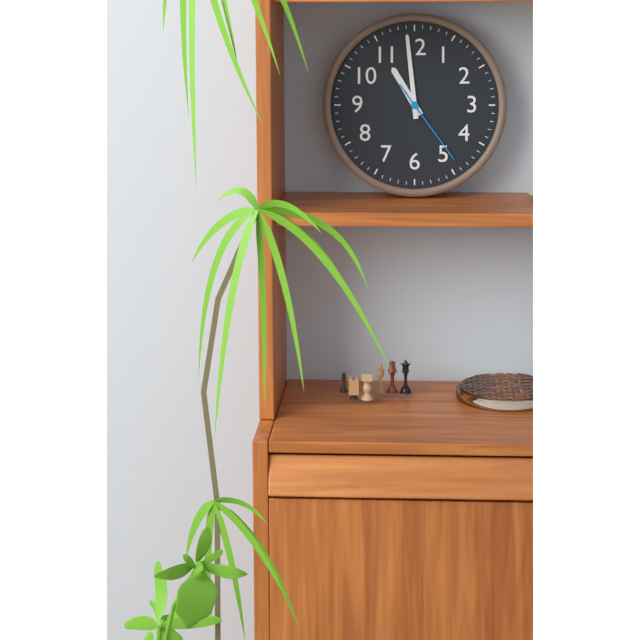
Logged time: 10,59,24
